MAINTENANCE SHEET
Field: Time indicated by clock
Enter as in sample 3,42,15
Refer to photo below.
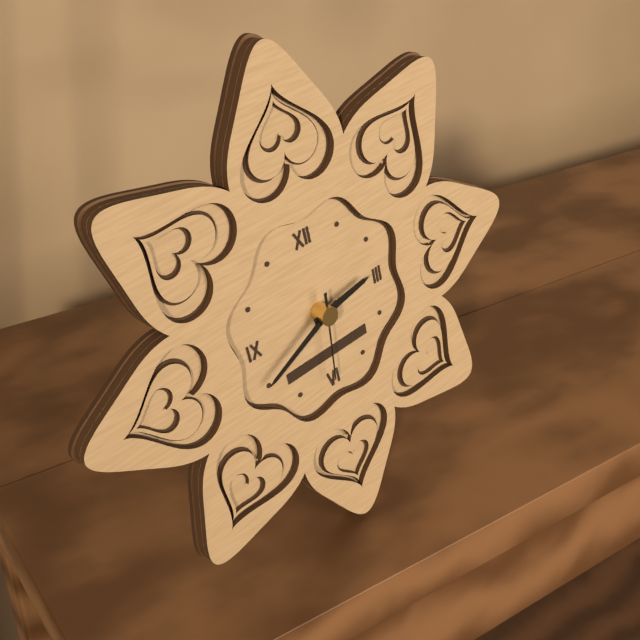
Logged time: 2,41,31
